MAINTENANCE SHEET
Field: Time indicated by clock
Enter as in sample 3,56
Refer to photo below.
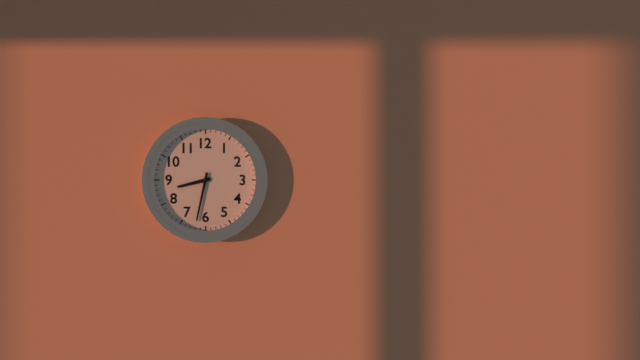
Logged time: 8,32
